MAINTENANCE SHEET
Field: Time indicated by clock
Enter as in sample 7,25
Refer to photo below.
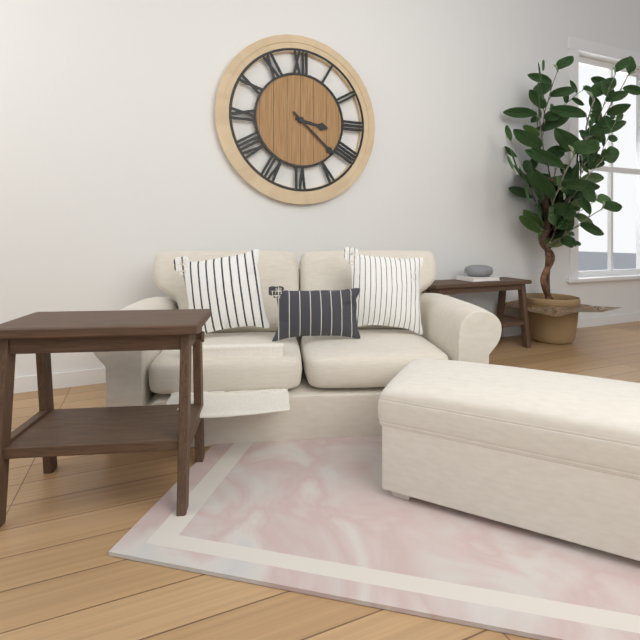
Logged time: 3,22
